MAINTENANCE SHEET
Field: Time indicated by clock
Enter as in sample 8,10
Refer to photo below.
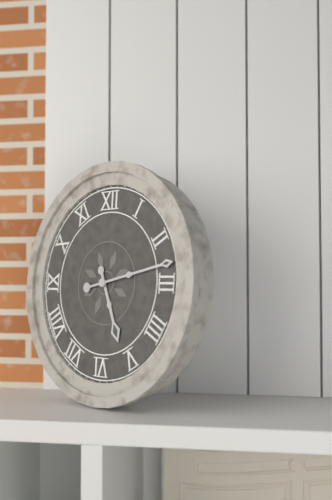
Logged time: 5,13
